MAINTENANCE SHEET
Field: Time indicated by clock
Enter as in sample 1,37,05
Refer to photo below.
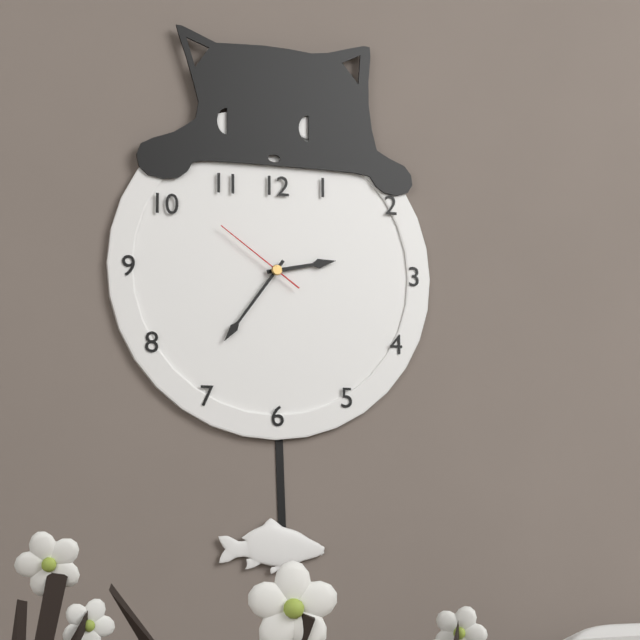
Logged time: 2,36,51
